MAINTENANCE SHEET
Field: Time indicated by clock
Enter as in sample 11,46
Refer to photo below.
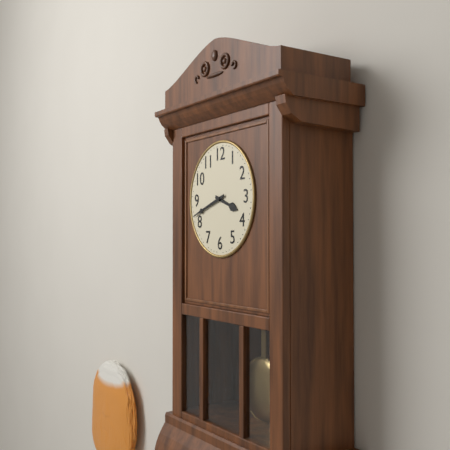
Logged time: 3,42
